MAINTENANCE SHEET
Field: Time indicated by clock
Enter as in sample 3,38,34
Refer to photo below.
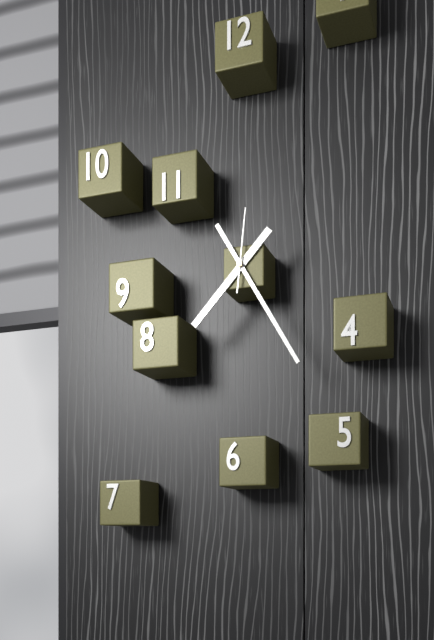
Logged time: 7,25,01
